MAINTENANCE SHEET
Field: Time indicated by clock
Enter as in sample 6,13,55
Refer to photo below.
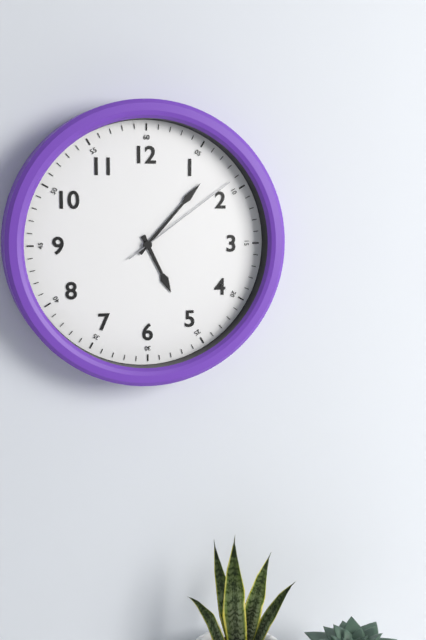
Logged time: 5,07,09
